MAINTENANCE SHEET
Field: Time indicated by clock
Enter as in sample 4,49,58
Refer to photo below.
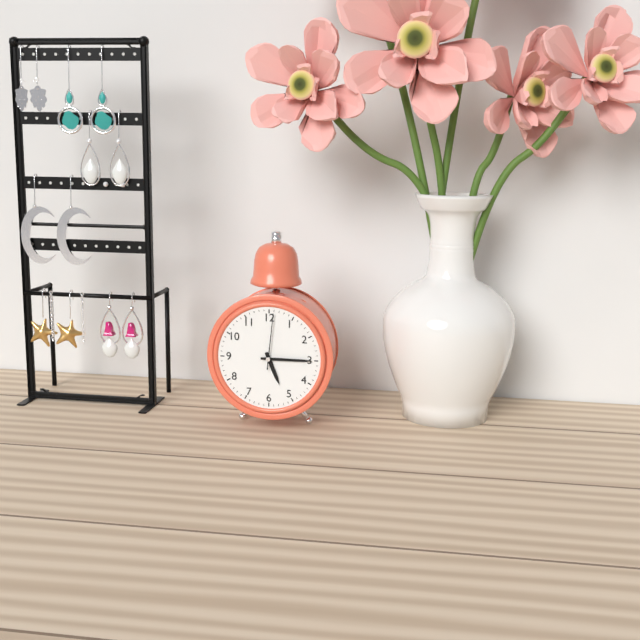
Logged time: 5,15,01
